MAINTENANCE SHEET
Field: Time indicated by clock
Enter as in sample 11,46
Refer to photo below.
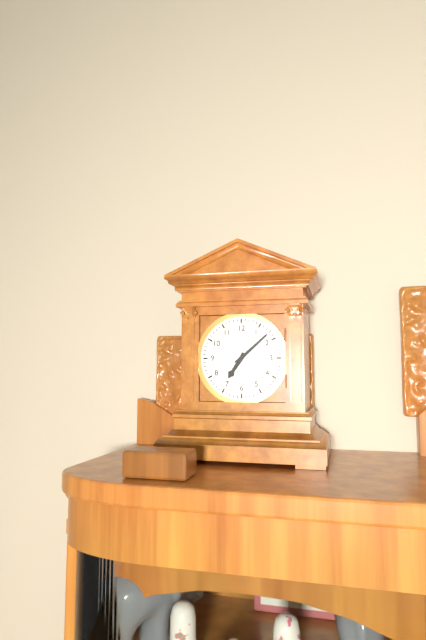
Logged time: 7,08
